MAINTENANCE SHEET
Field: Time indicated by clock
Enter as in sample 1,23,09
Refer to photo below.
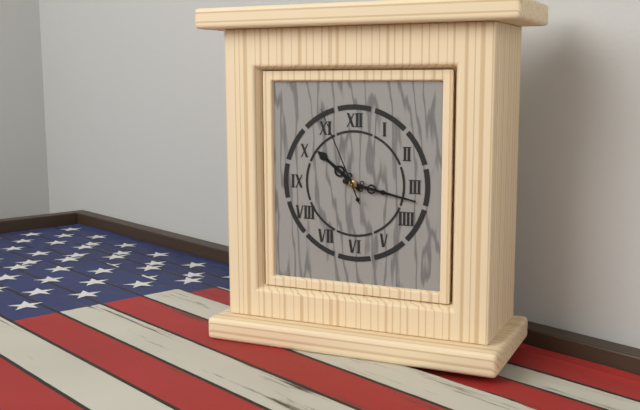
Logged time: 10,17,56
